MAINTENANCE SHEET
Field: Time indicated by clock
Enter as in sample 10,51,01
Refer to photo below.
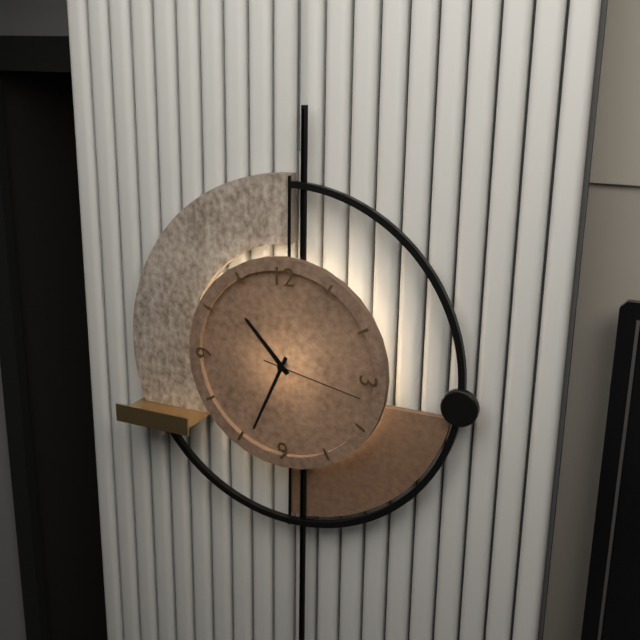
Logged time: 10,34,17
